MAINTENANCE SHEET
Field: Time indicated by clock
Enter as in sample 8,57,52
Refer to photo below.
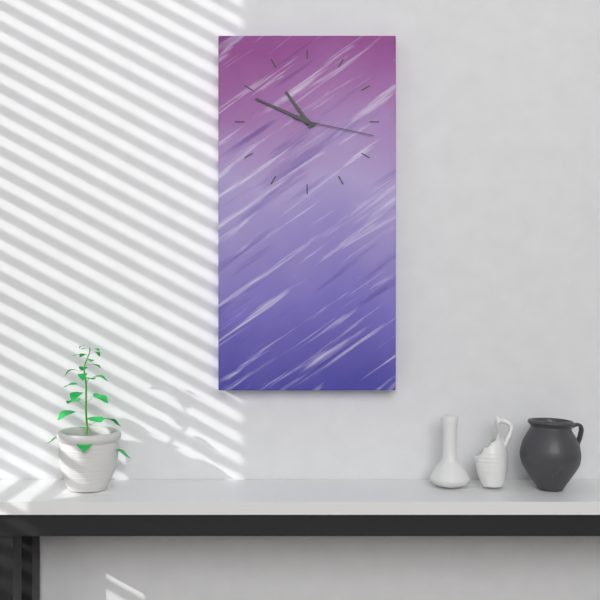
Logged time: 10,49,17
